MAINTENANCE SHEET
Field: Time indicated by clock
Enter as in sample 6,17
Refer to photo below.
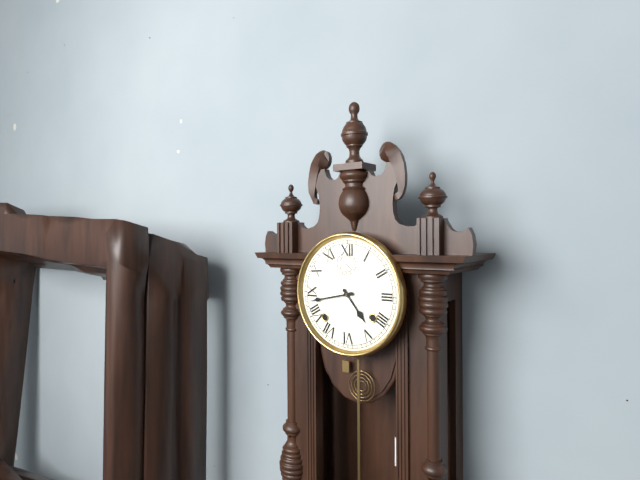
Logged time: 4,43
